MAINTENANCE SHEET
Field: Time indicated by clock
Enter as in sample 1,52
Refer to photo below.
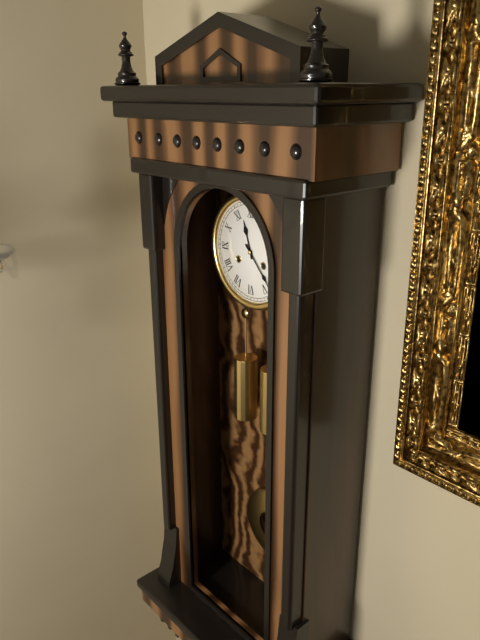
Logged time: 11,23
